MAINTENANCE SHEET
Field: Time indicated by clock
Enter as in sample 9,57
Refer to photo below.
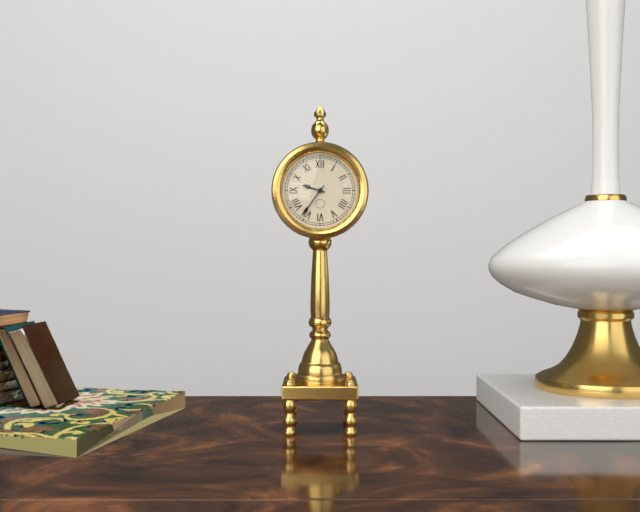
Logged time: 9,36
